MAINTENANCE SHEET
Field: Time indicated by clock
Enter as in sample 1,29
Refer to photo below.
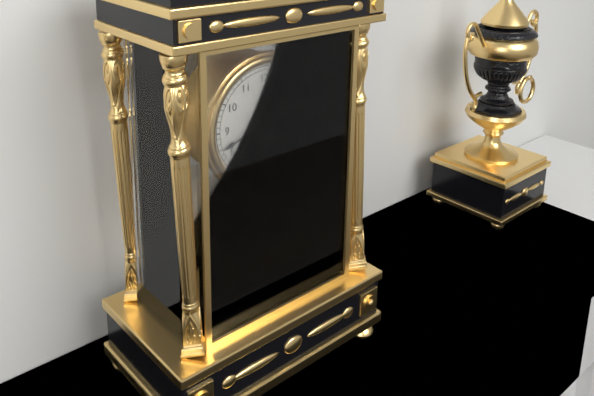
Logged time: 7,42
